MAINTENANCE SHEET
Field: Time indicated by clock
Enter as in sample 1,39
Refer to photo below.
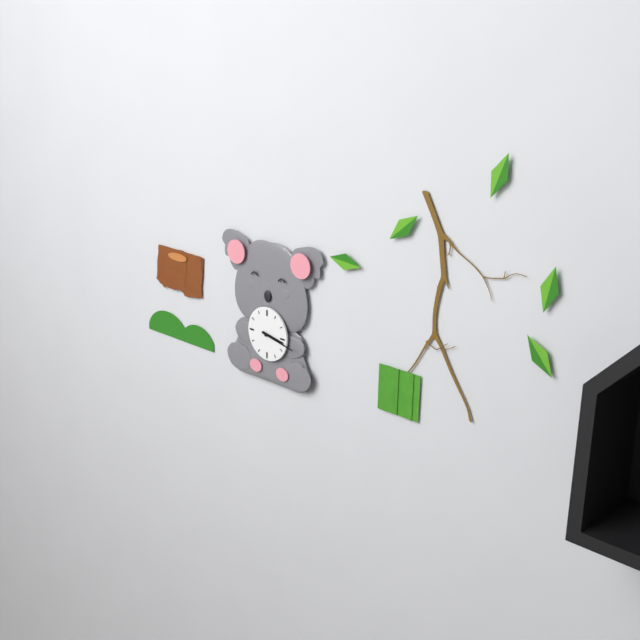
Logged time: 3,17
